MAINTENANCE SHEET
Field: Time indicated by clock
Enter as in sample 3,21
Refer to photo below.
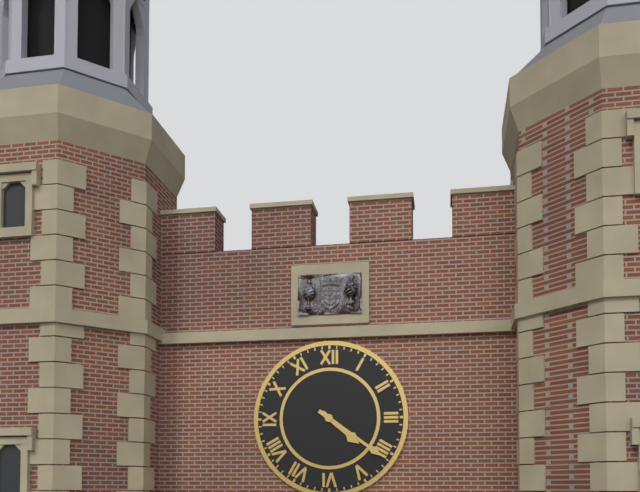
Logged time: 4,21
